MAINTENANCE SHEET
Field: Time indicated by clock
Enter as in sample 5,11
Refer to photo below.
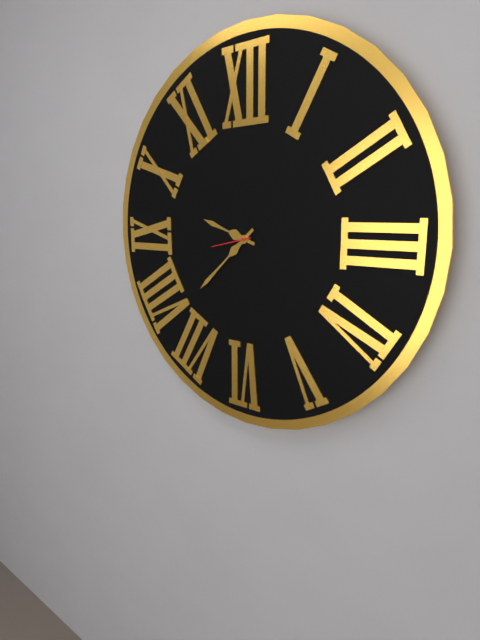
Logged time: 9,38
